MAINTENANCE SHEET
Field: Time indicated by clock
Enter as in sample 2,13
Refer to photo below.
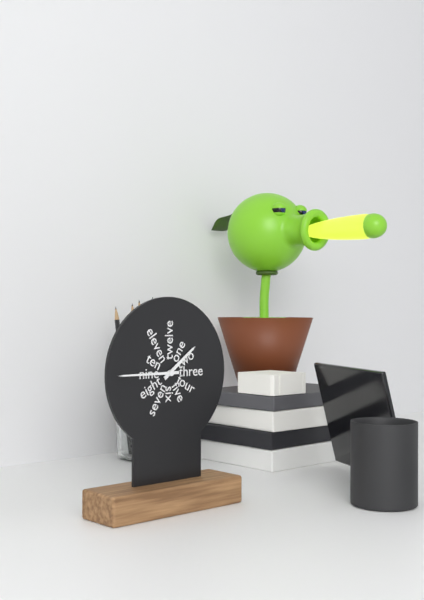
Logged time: 1,45
